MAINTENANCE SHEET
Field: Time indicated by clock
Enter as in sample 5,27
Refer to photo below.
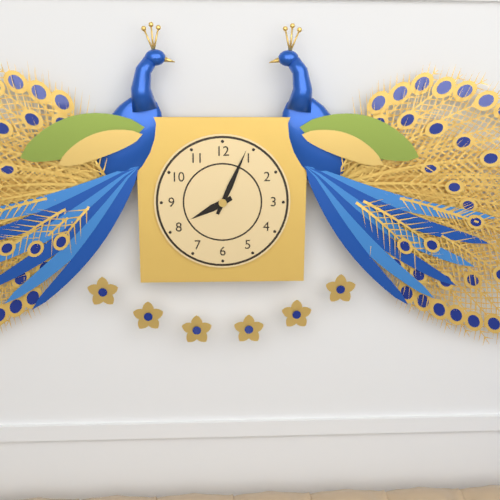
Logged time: 8,04
